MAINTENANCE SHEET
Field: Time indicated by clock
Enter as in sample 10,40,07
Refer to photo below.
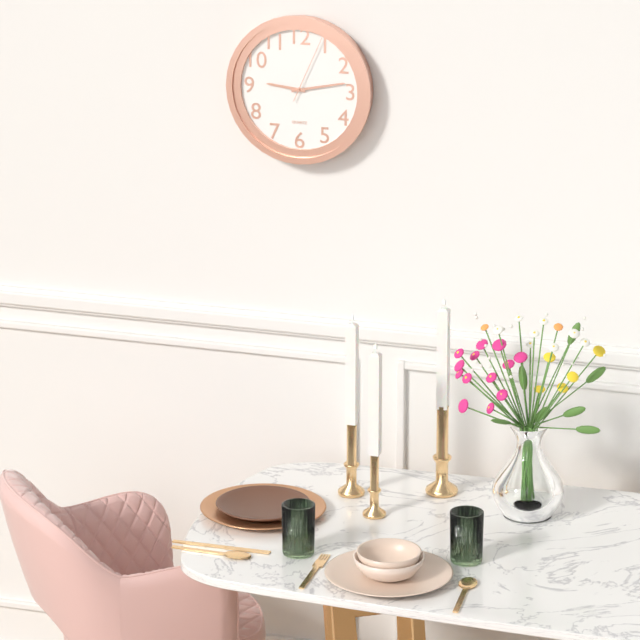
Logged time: 9,13,04
